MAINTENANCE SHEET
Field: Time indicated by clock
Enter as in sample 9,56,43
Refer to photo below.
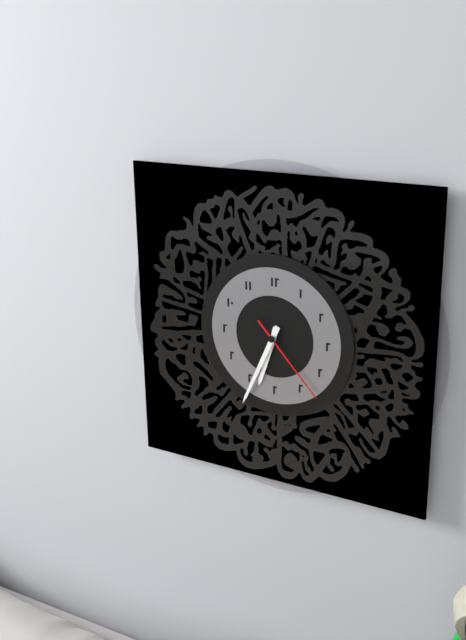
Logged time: 6,34,23
